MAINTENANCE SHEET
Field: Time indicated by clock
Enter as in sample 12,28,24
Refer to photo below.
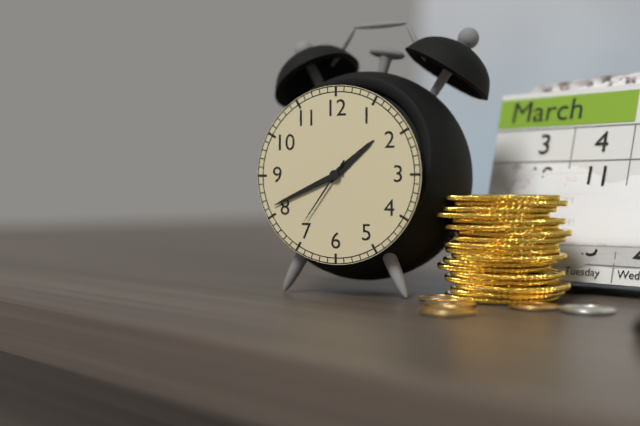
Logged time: 1,41,36
